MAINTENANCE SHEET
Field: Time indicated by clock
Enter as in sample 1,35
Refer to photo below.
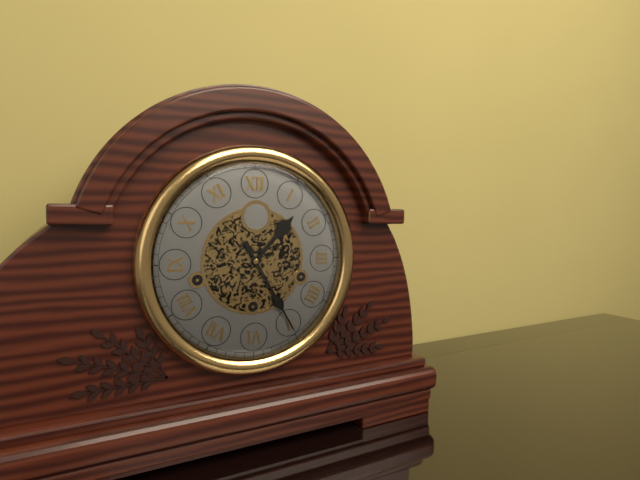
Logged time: 1,25
